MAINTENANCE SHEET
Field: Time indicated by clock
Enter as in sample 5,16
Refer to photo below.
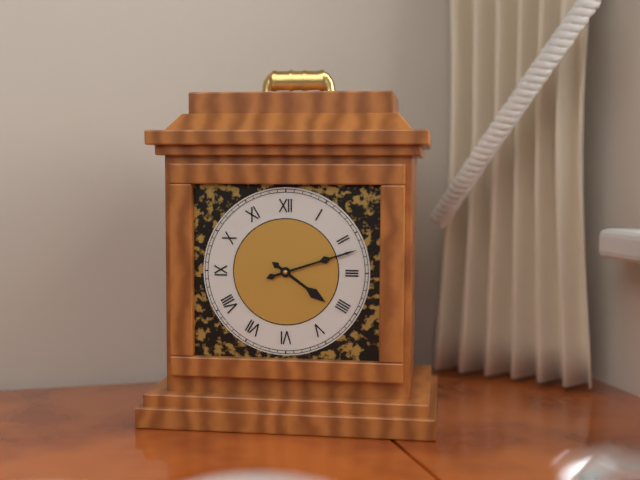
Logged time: 4,12
